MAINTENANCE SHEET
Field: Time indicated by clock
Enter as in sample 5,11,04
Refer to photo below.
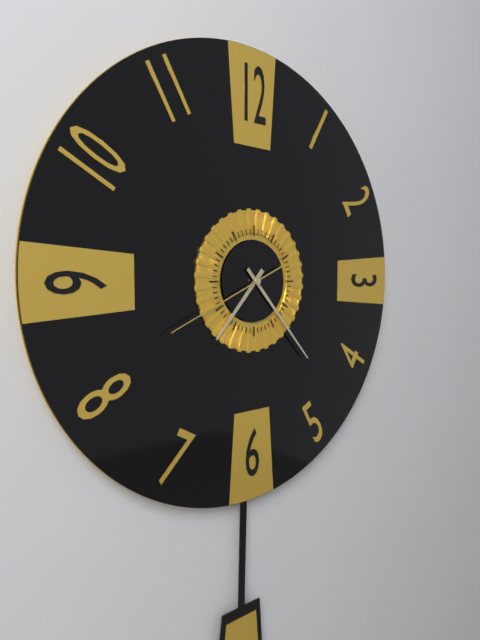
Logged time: 7,23,41
